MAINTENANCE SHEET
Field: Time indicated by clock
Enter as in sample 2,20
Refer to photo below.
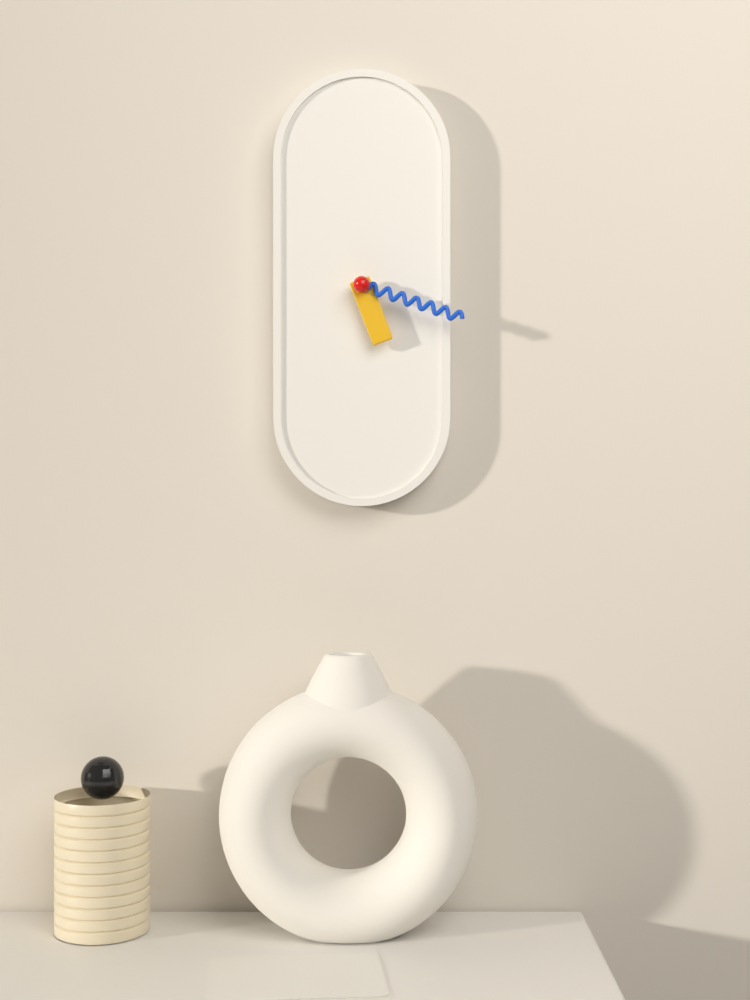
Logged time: 5,18
